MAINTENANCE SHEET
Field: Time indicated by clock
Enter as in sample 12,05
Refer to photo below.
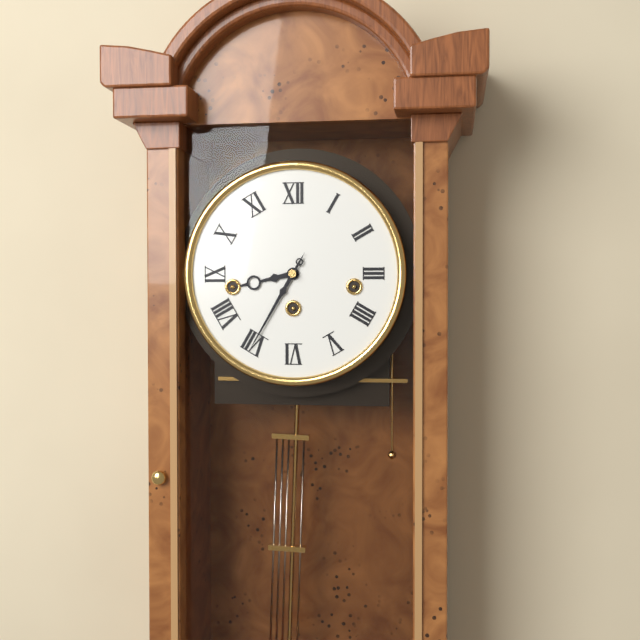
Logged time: 8,35
